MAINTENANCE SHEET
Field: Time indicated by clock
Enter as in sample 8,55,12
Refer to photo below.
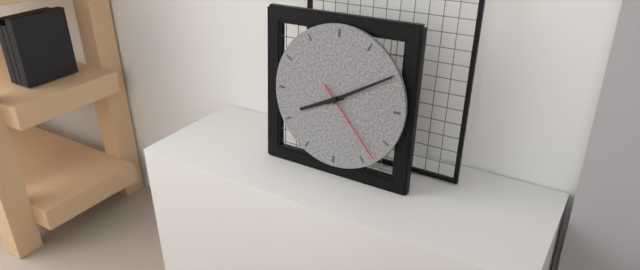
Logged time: 8,10,23
